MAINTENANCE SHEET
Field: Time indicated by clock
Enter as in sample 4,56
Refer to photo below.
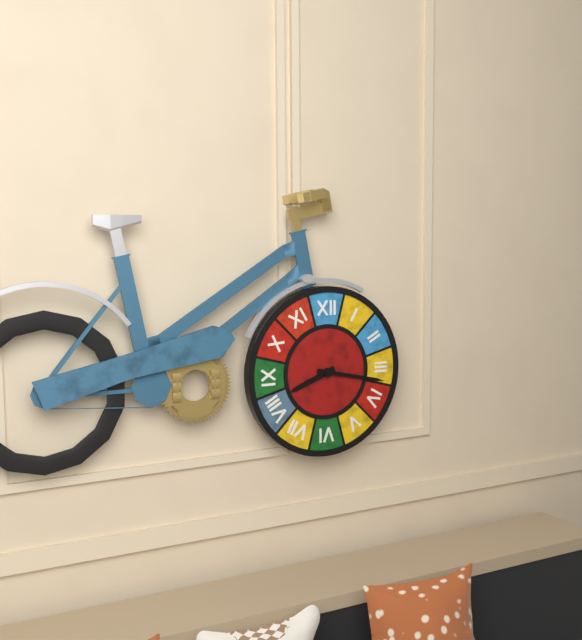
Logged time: 8,17
